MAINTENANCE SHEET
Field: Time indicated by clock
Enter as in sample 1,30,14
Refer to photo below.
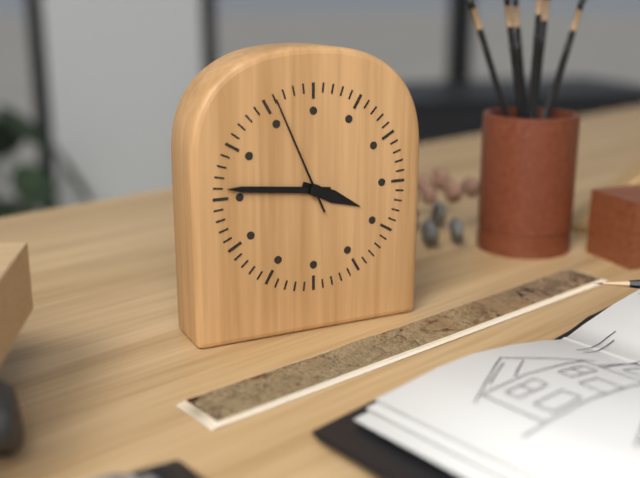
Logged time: 3,46,56
